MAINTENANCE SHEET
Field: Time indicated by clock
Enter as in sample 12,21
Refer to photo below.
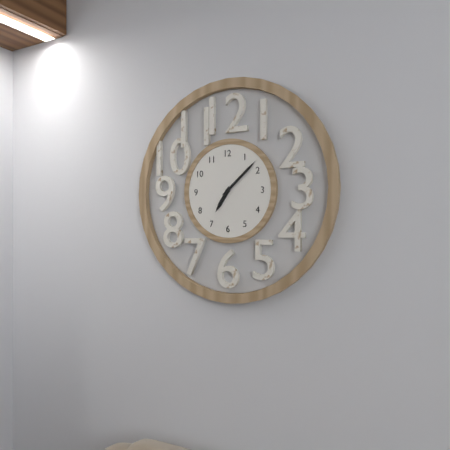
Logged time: 7,08
